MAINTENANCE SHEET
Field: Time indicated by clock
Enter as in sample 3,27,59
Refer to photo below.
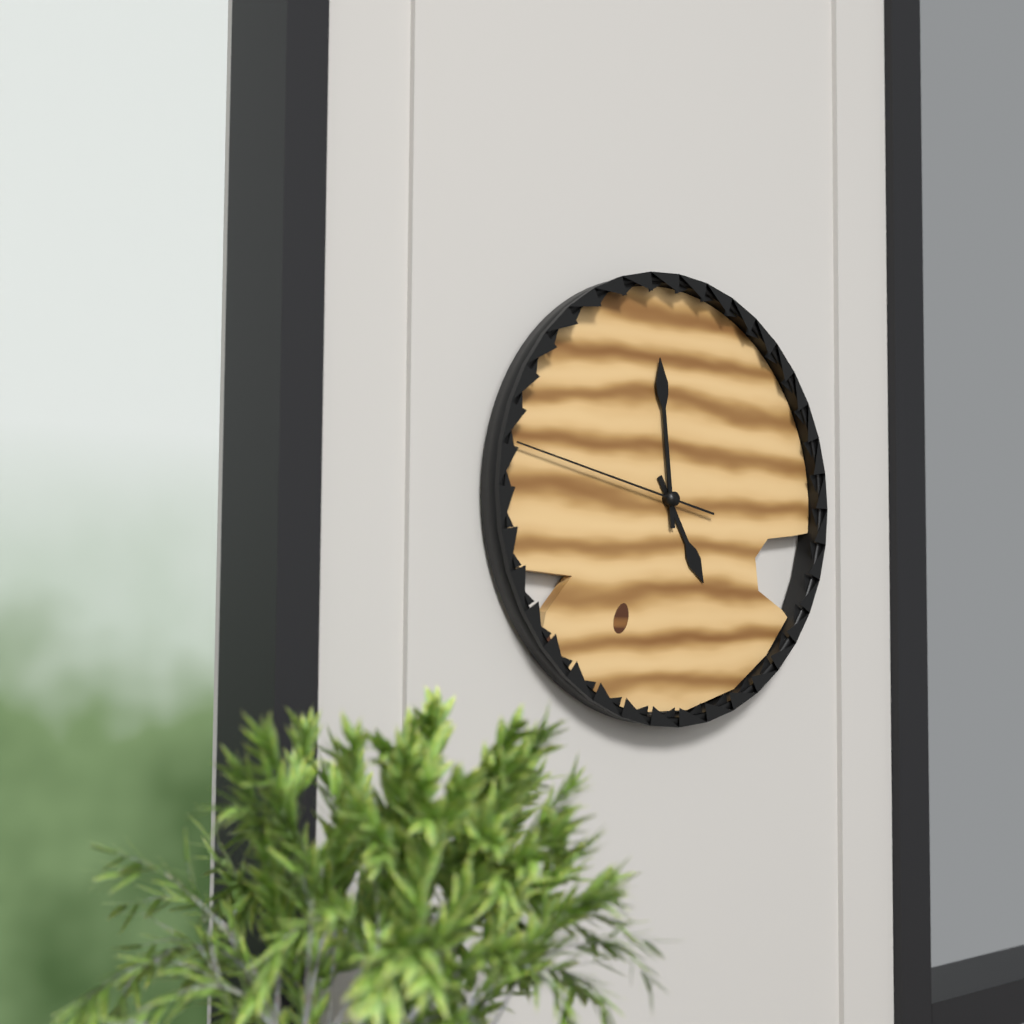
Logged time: 4,59,47
